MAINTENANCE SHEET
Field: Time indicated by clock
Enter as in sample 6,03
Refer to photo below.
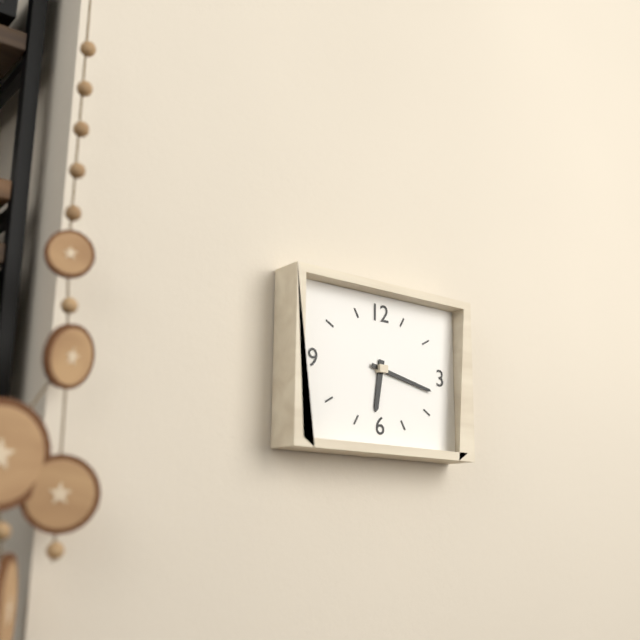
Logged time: 6,17
